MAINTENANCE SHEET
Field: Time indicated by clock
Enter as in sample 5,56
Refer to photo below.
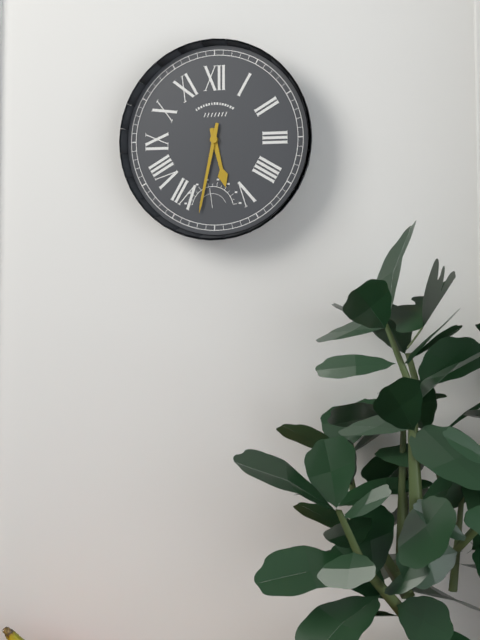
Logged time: 5,32
